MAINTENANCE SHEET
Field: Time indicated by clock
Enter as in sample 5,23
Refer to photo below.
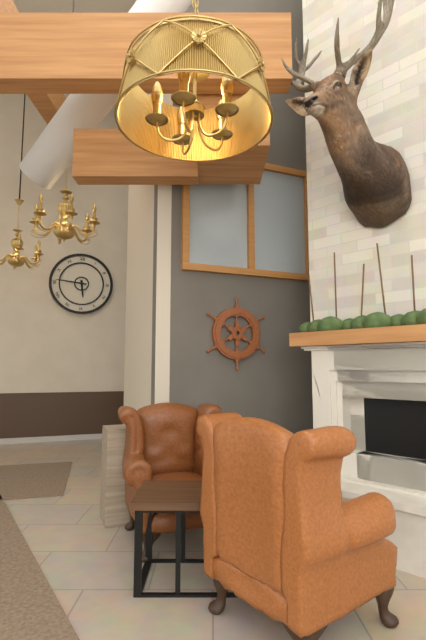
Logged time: 5,46
